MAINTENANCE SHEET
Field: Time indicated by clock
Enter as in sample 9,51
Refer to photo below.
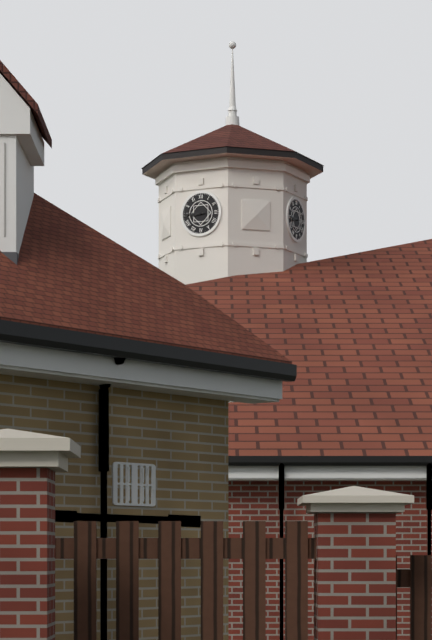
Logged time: 8,45
